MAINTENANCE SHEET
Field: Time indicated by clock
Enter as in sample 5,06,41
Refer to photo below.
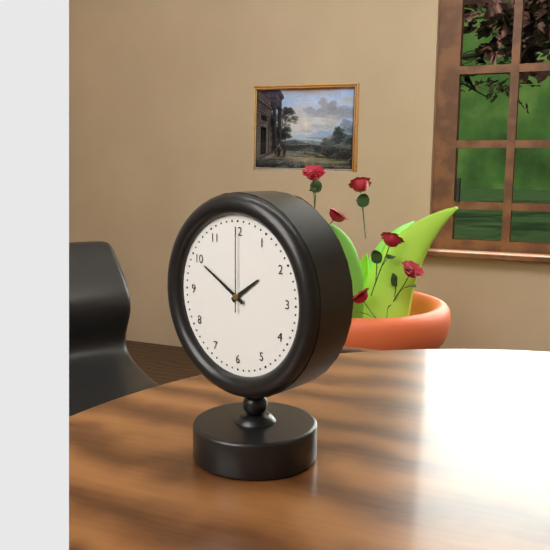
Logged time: 1,50,00
